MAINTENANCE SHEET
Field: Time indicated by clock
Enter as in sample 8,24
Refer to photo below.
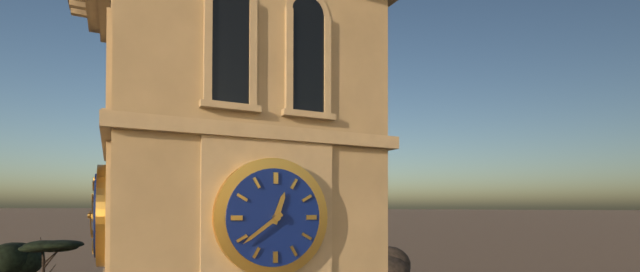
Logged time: 12,39
